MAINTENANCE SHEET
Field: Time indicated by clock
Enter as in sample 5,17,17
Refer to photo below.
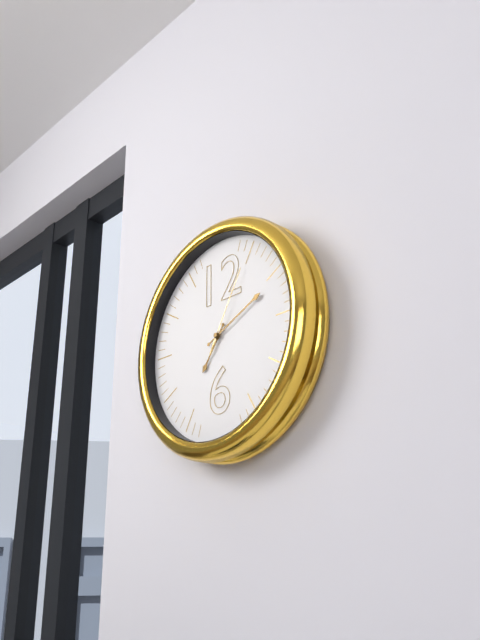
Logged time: 7,11,05
